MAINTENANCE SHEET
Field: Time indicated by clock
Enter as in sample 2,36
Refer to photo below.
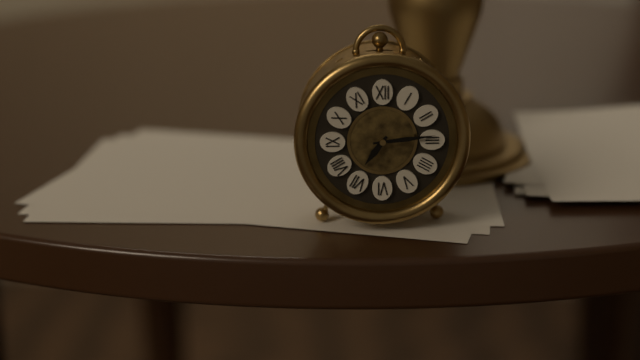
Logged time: 7,14
